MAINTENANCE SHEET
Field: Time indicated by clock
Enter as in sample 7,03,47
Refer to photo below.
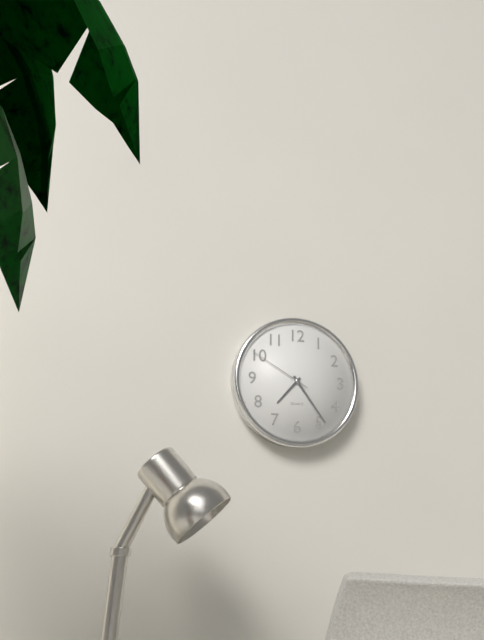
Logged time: 7,24,50
